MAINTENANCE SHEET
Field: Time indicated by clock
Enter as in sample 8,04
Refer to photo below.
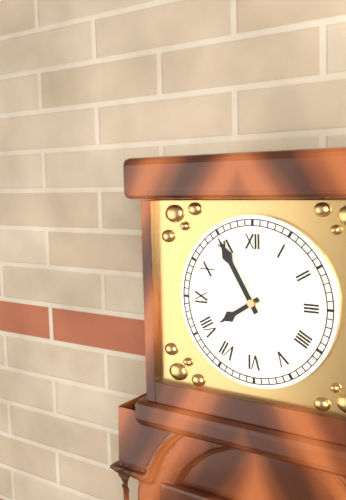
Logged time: 7,55
